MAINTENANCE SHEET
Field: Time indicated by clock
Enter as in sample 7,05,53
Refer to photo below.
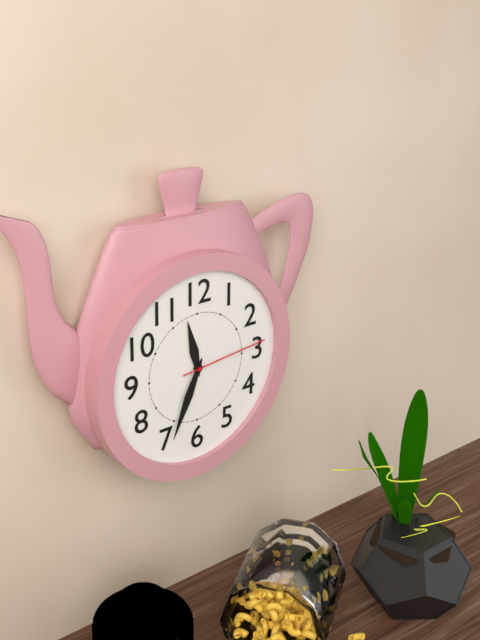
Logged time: 11,34,14
